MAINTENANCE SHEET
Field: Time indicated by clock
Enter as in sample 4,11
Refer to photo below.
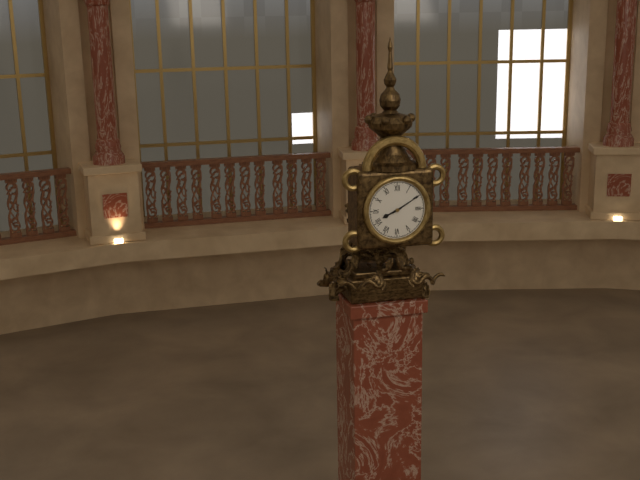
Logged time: 8,10
